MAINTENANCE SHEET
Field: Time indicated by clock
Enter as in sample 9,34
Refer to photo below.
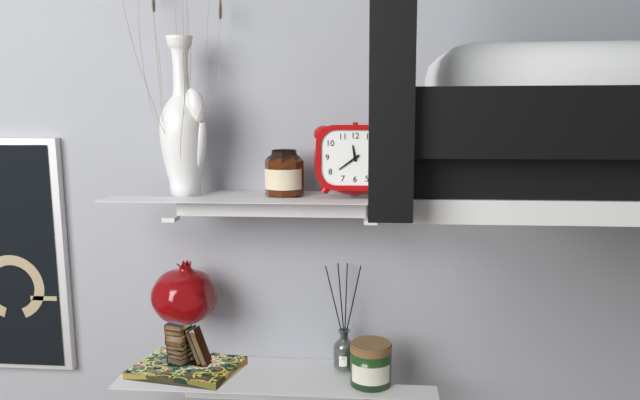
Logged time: 11,39
